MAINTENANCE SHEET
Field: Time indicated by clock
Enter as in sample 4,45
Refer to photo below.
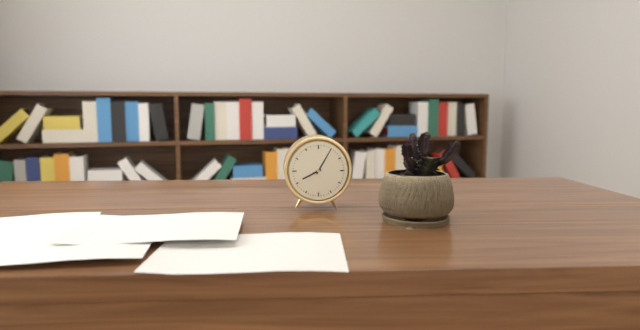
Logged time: 8,05
